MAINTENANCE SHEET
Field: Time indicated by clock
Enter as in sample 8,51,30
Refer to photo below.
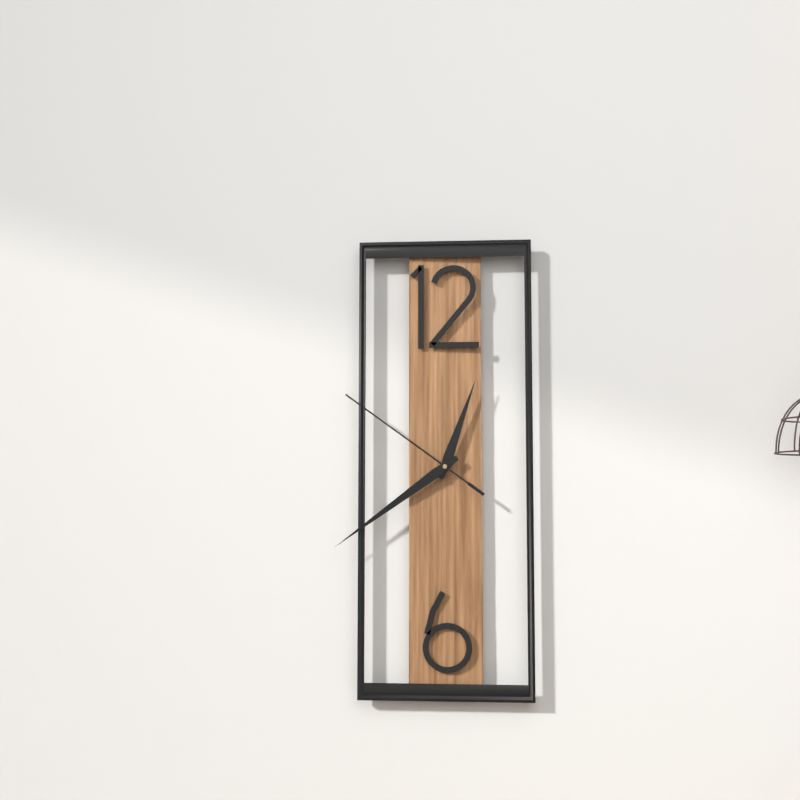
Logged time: 12,39,51
